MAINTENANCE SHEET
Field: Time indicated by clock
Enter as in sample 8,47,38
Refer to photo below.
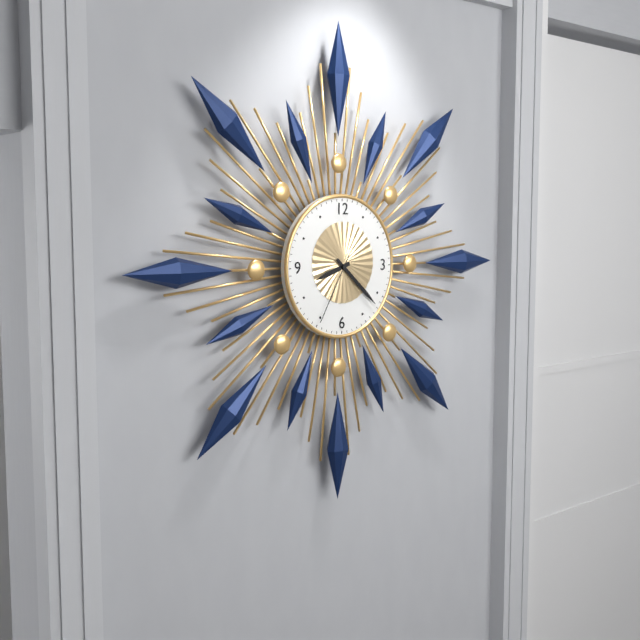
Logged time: 8,22,35
